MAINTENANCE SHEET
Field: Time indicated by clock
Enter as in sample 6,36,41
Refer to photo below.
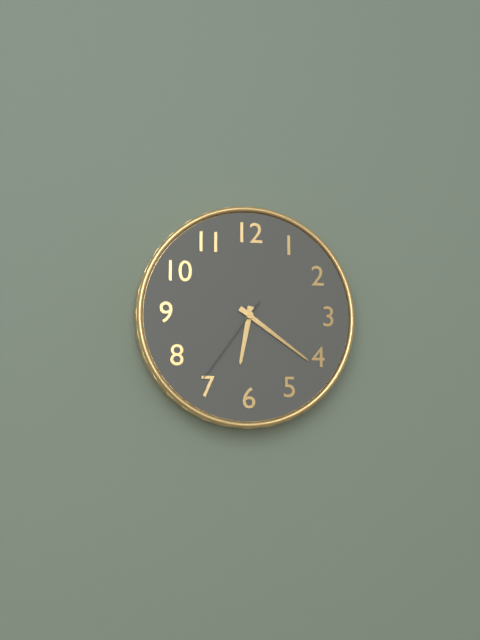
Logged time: 6,21,36
